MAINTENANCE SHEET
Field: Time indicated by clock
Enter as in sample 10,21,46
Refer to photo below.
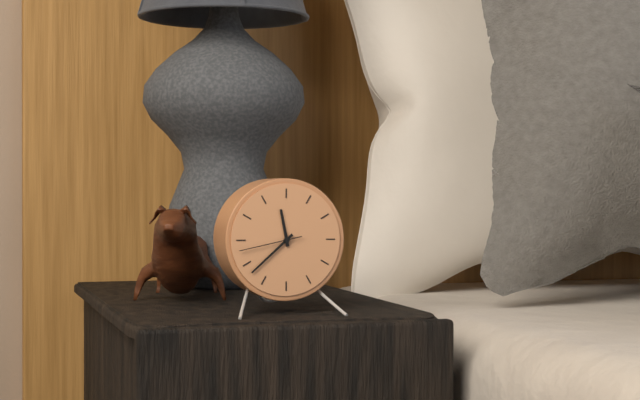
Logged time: 11,38,43
